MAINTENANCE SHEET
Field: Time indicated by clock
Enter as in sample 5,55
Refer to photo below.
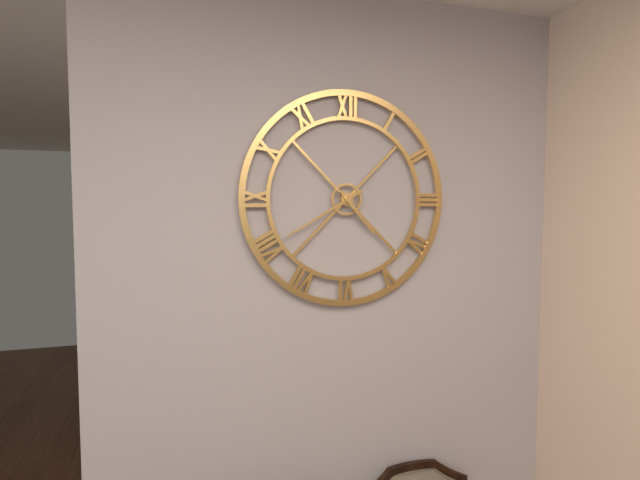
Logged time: 4,40
